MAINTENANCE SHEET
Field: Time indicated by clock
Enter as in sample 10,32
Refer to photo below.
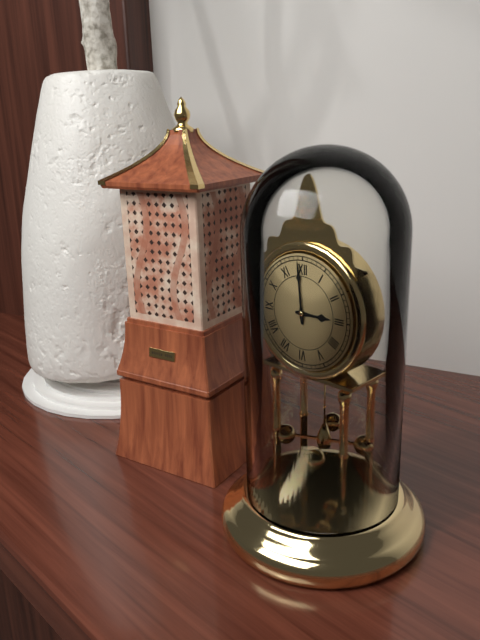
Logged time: 2,59
